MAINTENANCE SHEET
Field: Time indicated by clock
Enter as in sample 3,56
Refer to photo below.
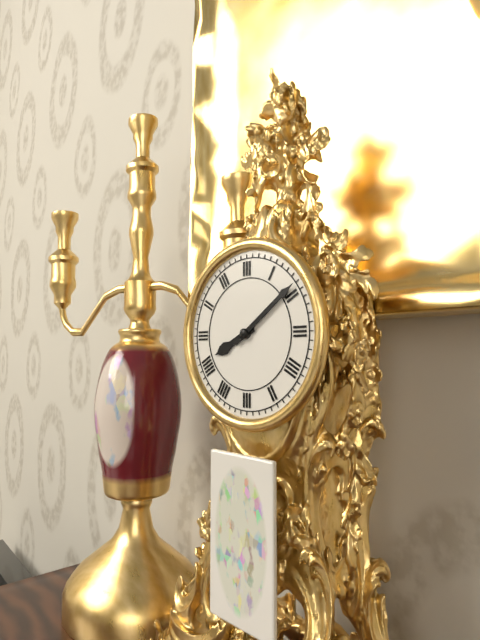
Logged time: 8,09
